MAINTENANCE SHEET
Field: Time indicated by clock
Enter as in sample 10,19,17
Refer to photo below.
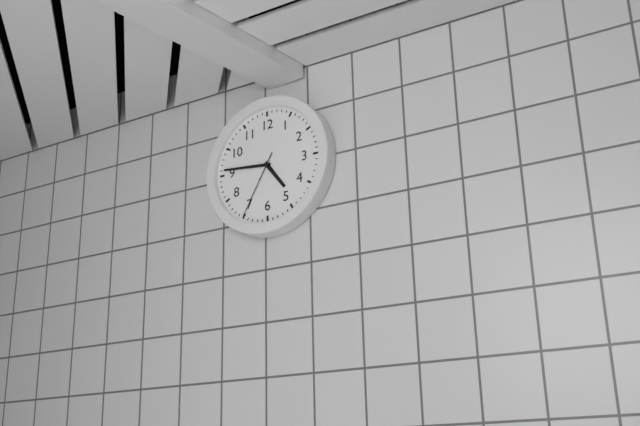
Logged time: 4,46,35
